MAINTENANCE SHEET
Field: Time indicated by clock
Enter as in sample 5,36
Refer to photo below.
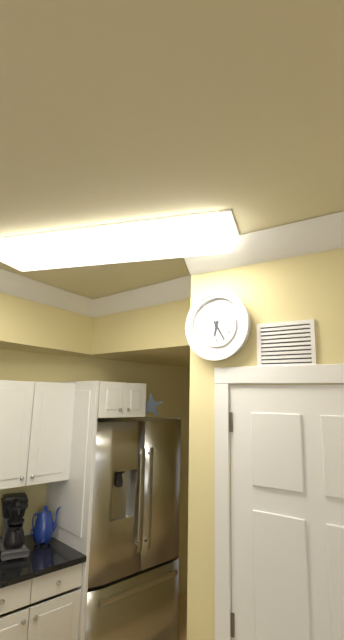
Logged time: 6,25
